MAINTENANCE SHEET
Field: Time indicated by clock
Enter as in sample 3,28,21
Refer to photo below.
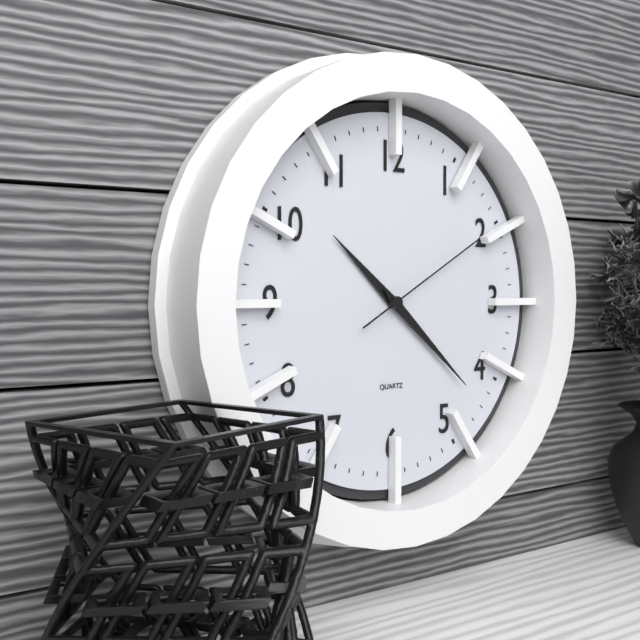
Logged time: 10,22,10
